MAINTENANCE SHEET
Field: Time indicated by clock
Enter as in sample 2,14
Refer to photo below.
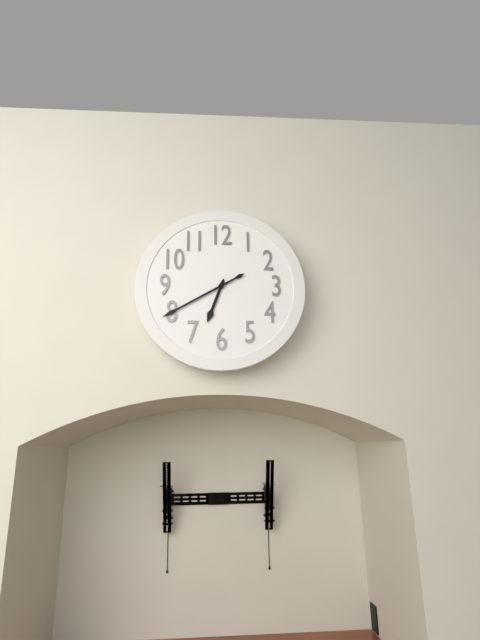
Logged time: 6,40
